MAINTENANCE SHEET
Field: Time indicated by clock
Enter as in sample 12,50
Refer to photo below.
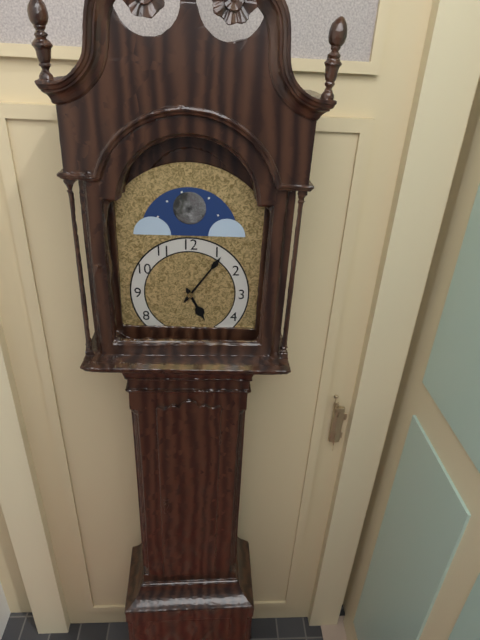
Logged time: 5,06
